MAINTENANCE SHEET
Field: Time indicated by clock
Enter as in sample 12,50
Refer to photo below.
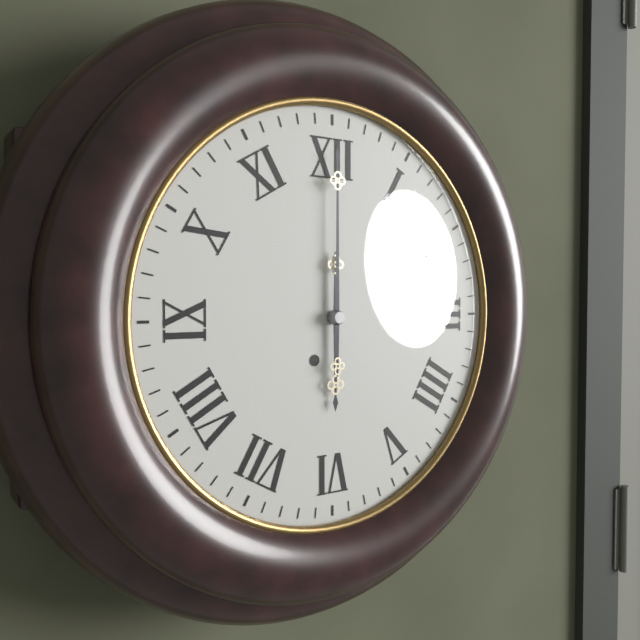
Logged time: 6,00
